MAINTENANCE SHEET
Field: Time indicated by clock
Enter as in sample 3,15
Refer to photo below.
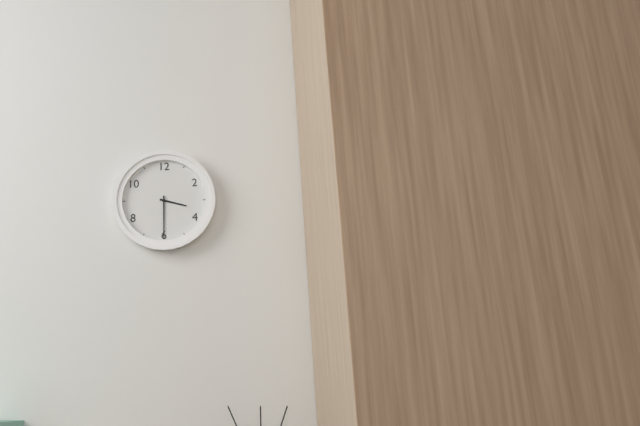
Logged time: 3,30
